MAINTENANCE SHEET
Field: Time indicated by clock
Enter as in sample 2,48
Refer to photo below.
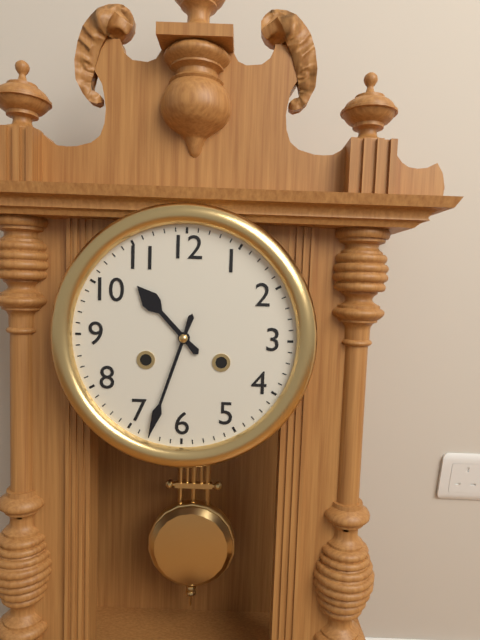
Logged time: 10,33
